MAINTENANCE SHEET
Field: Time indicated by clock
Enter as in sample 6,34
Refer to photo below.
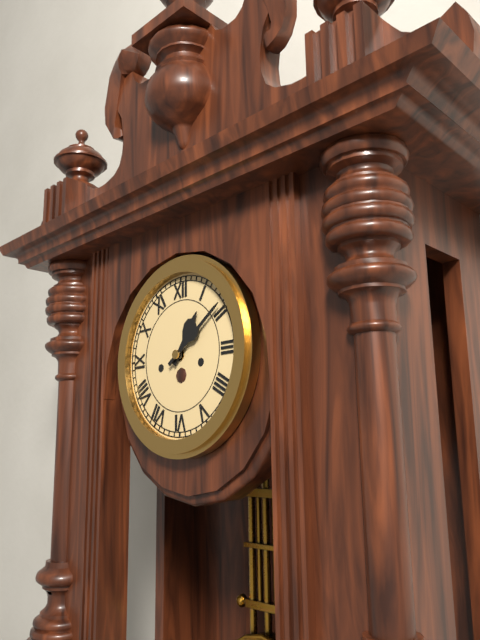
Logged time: 1,09
